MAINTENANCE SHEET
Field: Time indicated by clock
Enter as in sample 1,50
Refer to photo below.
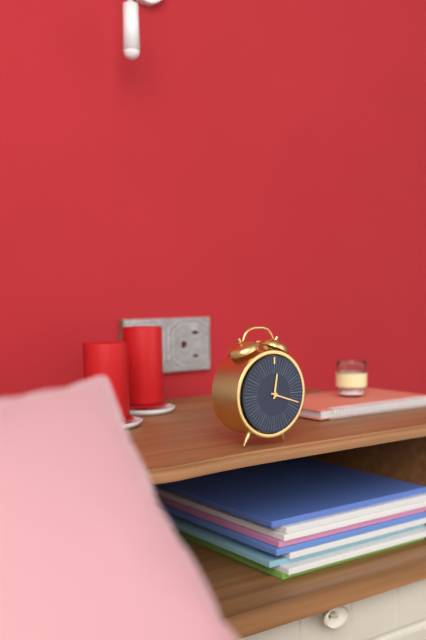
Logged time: 12,18
